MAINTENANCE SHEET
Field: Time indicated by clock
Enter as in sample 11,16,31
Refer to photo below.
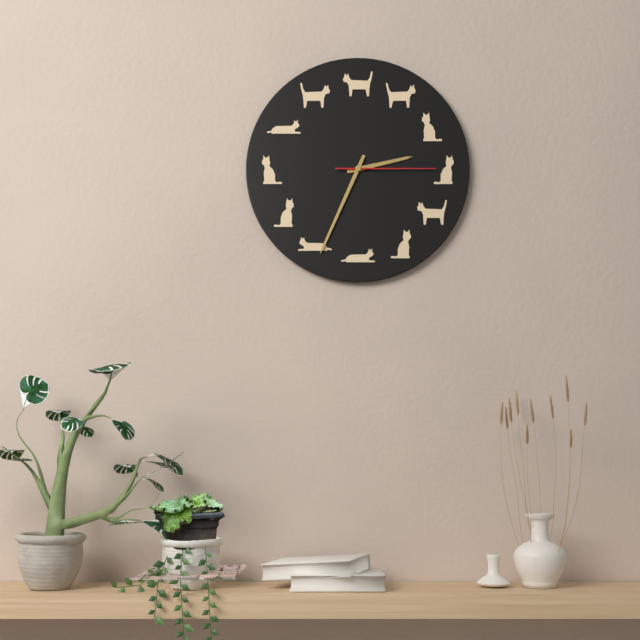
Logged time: 2,34,15
